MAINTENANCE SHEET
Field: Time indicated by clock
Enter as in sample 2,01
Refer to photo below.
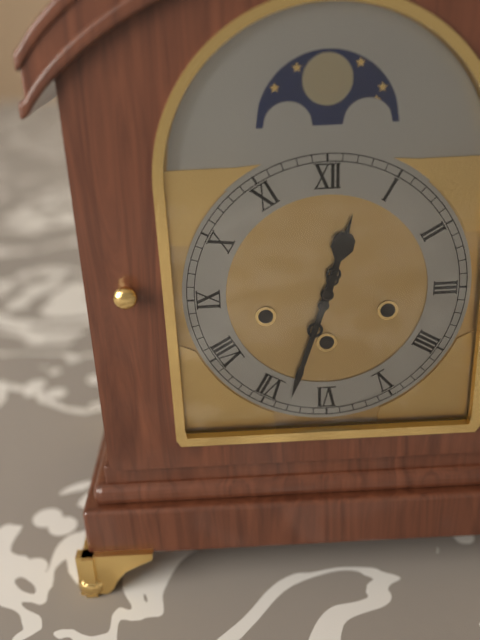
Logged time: 12,33
